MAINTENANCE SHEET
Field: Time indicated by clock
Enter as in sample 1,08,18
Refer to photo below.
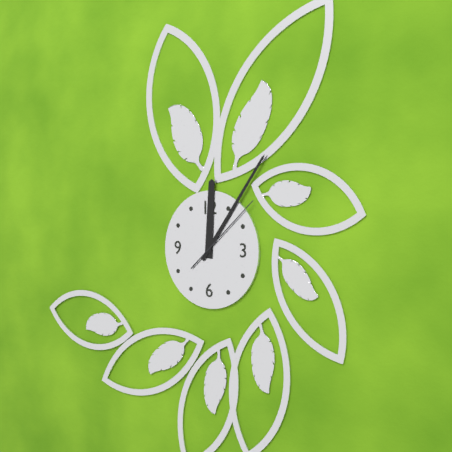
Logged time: 12,06,08
